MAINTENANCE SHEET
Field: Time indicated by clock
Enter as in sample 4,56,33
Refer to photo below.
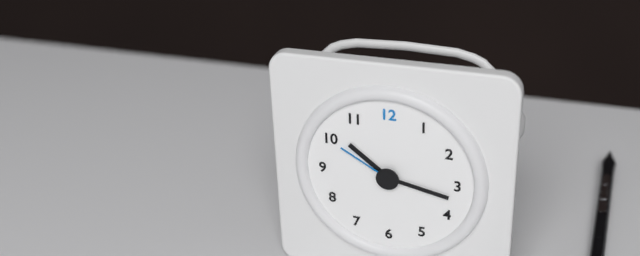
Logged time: 10,17,50
